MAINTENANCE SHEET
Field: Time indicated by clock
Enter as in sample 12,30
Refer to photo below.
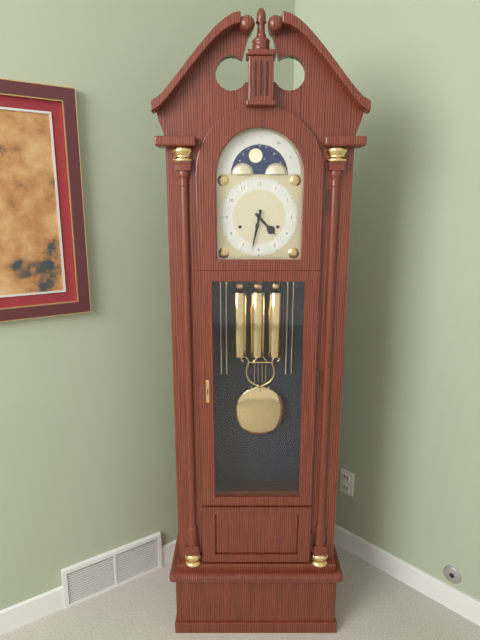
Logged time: 4,32
